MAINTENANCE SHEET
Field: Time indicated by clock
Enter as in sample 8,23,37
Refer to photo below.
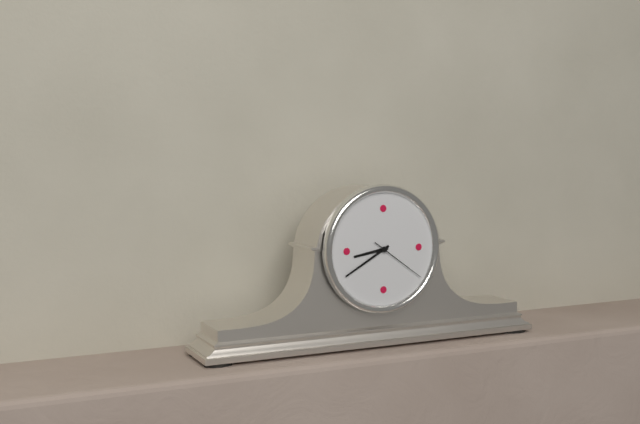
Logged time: 8,40,21
